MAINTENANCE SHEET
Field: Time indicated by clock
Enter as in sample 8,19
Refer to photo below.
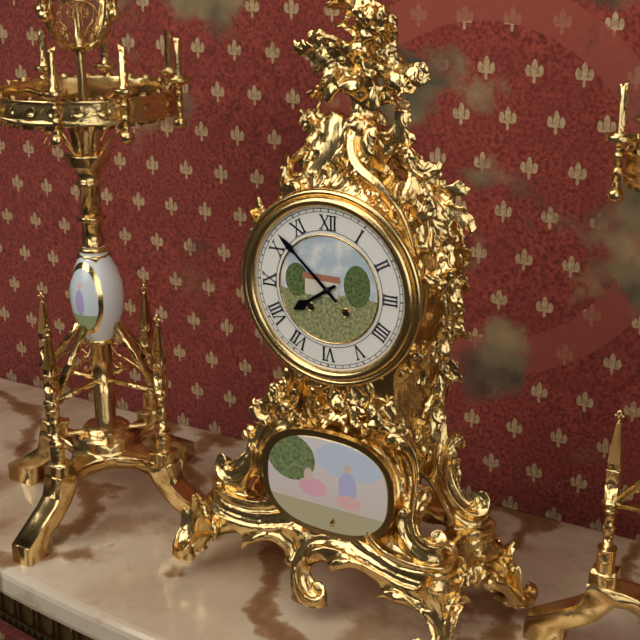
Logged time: 7,52
